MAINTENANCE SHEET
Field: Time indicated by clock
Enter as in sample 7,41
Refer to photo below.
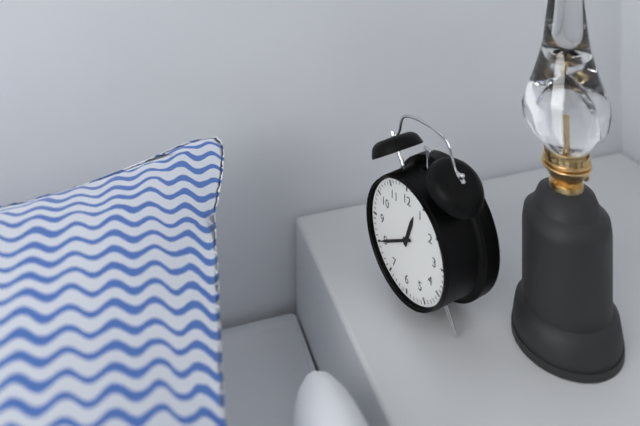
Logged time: 12,40
